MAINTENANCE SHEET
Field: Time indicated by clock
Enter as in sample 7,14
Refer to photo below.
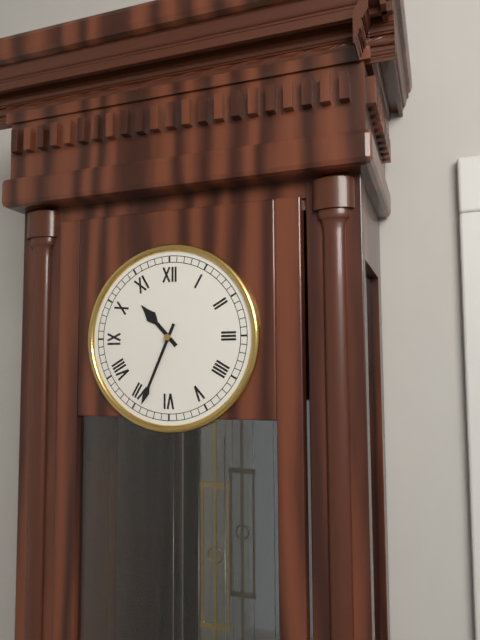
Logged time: 10,34
